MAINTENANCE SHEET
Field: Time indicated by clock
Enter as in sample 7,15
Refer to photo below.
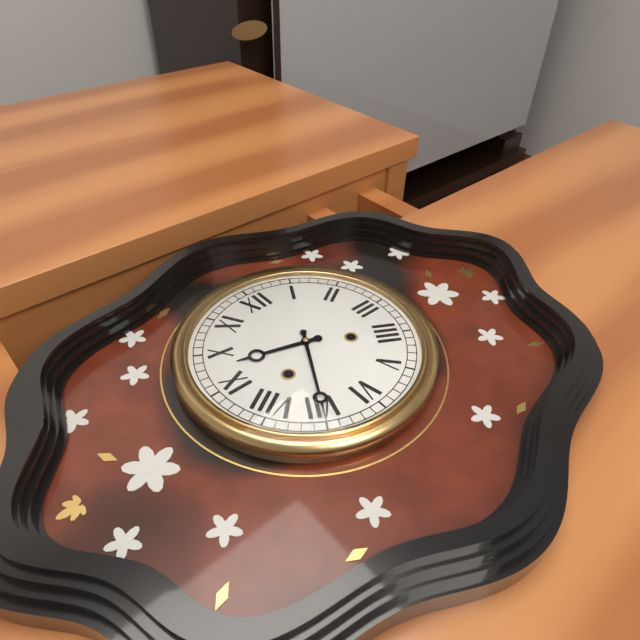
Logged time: 9,35
